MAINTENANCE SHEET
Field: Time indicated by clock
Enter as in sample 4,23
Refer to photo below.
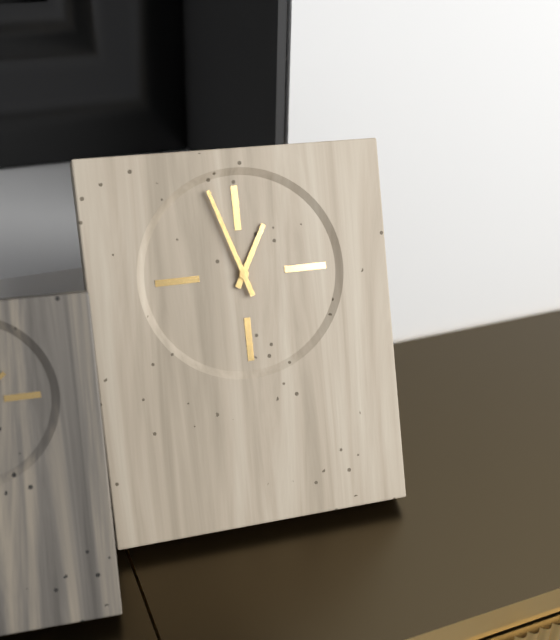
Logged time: 12,57
